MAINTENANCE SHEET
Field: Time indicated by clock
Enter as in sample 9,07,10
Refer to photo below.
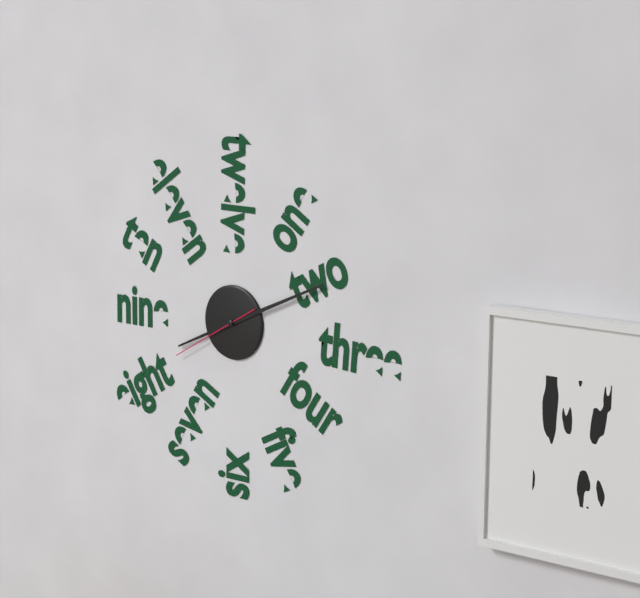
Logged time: 8,11,40
